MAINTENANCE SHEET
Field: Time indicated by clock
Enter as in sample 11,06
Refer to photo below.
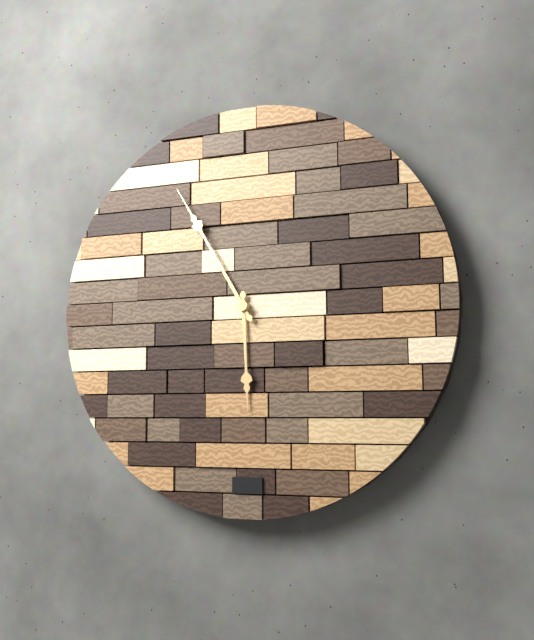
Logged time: 5,55
